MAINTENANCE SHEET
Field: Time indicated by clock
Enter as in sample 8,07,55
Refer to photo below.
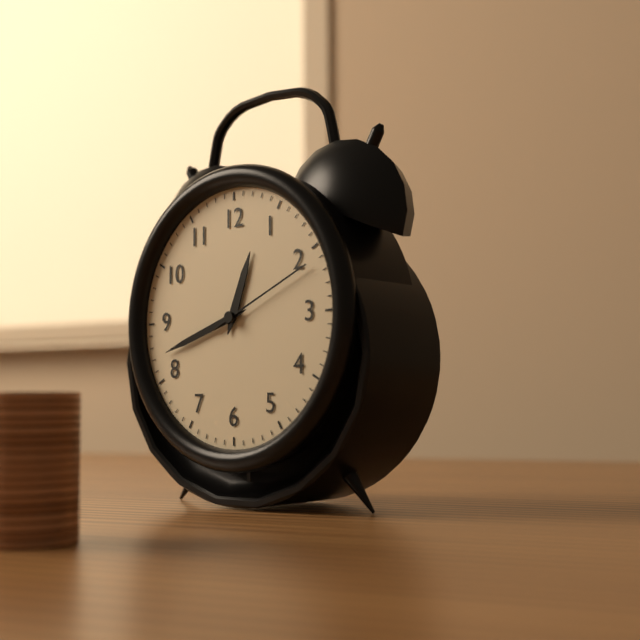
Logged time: 12,42,11
